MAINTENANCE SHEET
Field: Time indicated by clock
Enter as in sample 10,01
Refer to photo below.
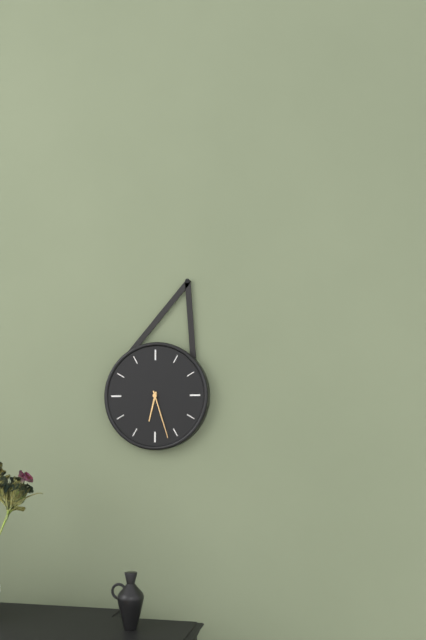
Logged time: 6,27
